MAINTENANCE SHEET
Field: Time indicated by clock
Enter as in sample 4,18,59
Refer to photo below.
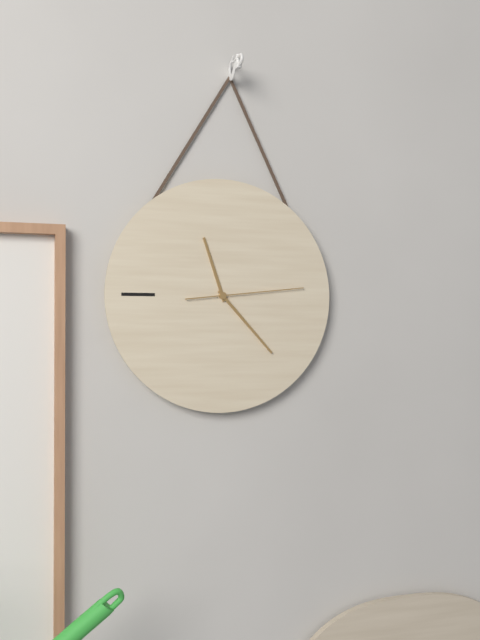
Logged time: 11,23,14
